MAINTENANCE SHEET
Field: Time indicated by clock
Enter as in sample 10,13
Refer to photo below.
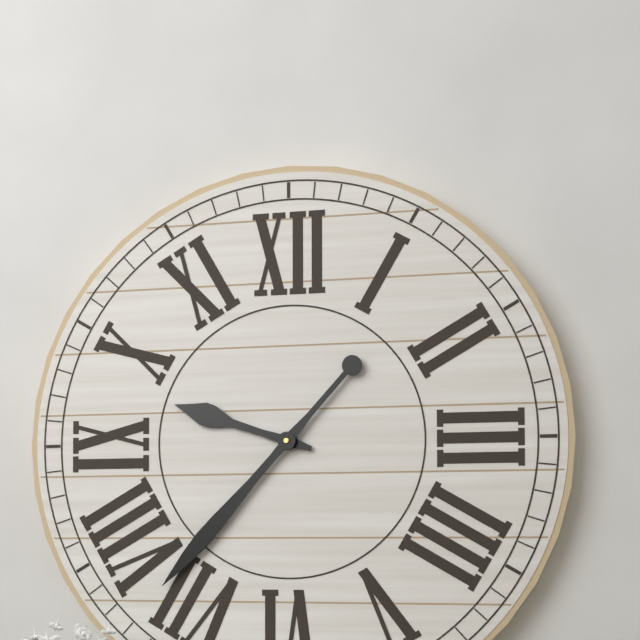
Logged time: 9,37
